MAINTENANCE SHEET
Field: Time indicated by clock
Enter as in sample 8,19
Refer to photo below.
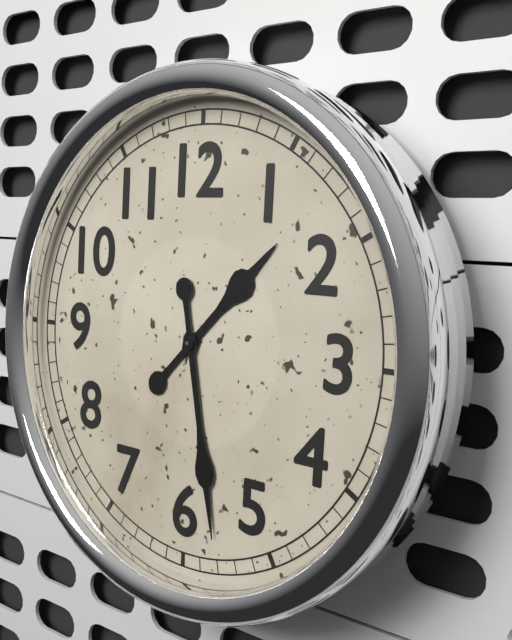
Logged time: 1,28
